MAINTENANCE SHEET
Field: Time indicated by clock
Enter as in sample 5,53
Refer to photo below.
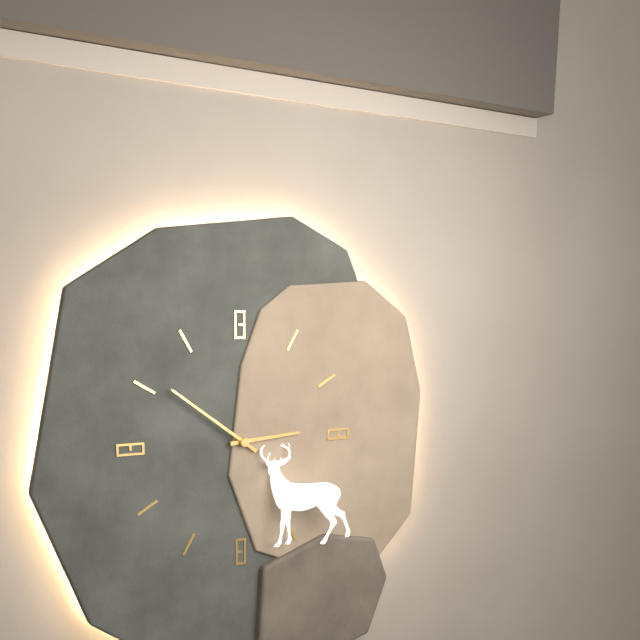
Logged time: 2,51
